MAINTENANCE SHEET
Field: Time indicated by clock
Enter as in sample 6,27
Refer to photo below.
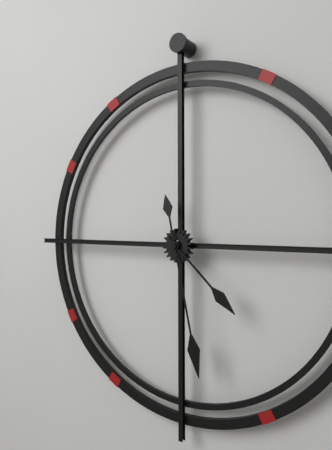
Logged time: 4,28
